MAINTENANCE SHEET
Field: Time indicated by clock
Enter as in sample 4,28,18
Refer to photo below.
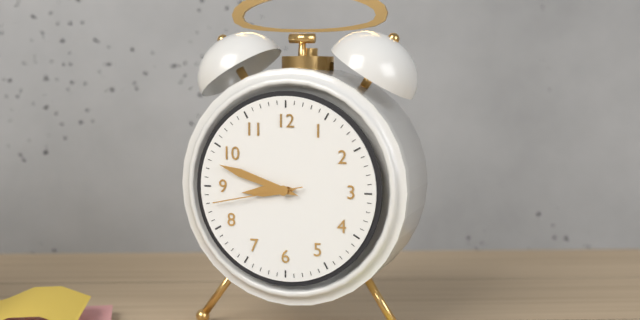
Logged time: 8,48,43
